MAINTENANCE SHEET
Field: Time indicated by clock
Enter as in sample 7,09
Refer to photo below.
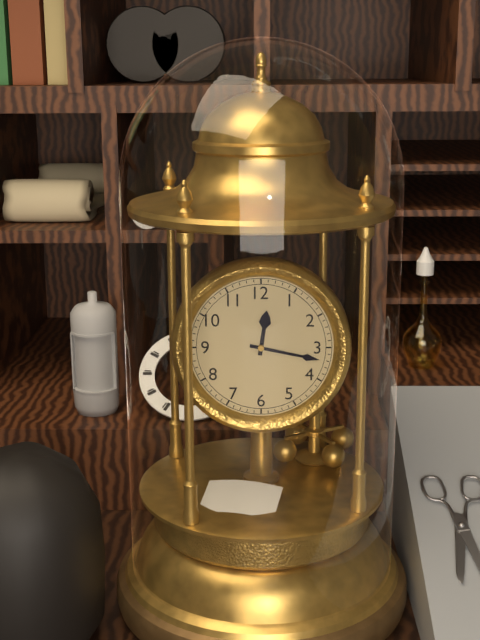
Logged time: 12,17
